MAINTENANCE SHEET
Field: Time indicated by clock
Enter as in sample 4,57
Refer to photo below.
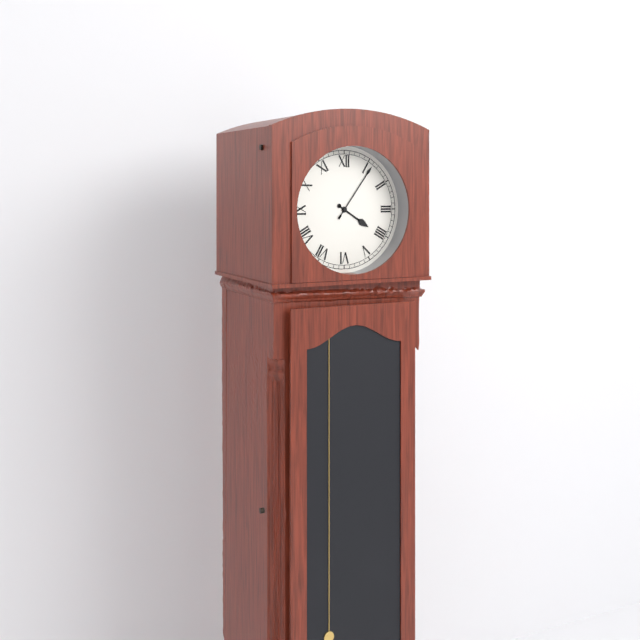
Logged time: 4,06
